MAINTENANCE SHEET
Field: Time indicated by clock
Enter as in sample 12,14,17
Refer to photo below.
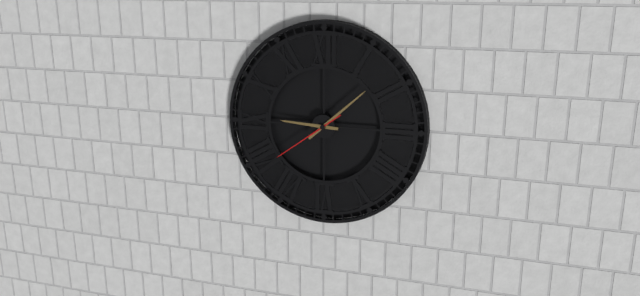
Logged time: 9,08,39
